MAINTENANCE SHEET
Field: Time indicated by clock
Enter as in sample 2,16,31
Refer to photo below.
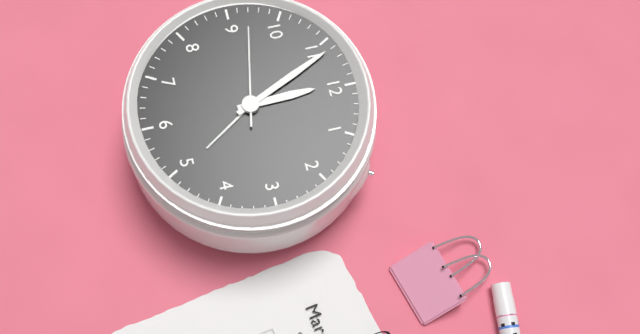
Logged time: 11,56,47
